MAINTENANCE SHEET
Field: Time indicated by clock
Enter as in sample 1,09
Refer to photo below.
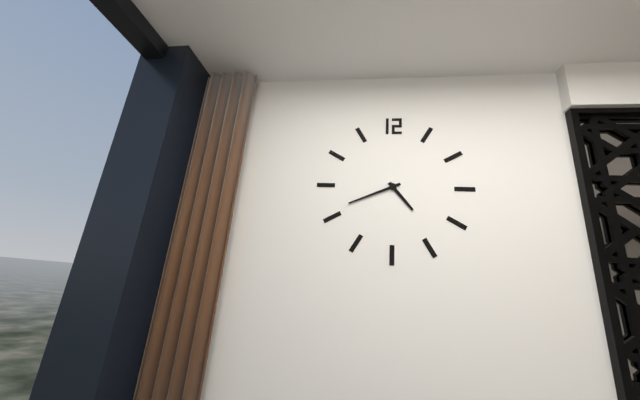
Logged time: 4,41
